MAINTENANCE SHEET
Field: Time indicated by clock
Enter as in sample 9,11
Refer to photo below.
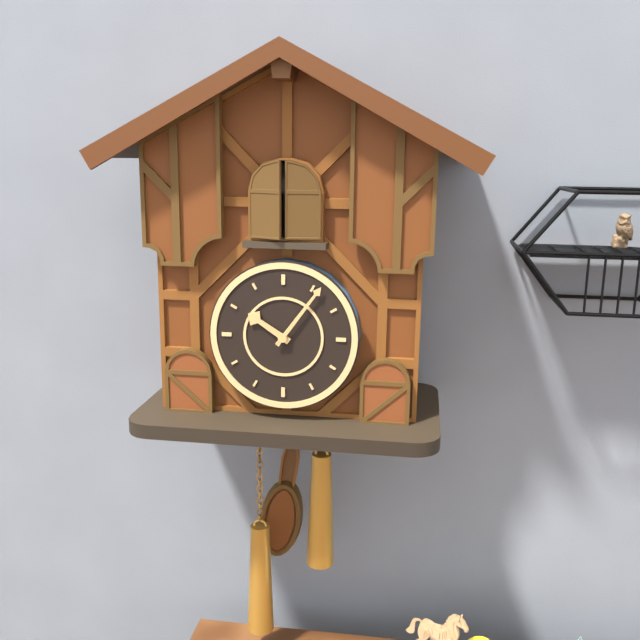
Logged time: 10,06
